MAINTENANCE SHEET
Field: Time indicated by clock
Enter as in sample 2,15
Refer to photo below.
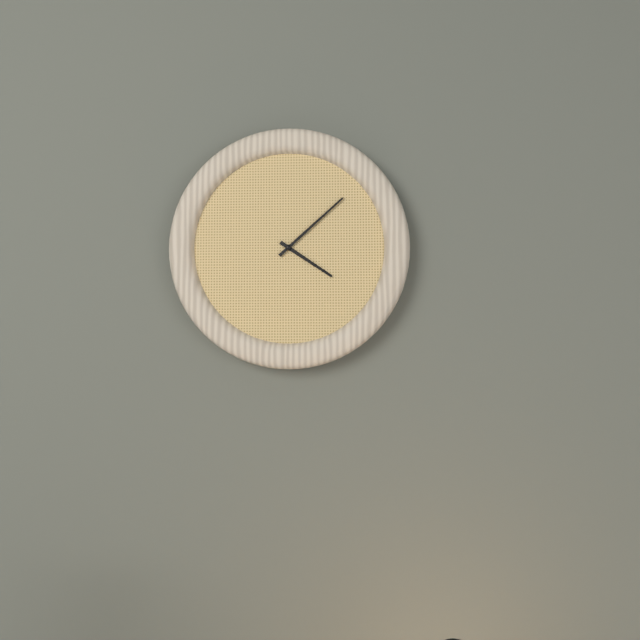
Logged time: 4,08
